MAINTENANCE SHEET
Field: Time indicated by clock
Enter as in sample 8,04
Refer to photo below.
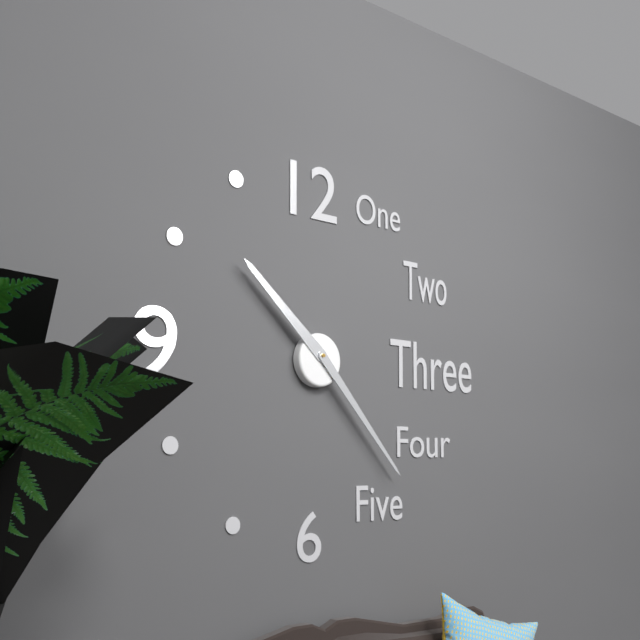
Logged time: 10,23
